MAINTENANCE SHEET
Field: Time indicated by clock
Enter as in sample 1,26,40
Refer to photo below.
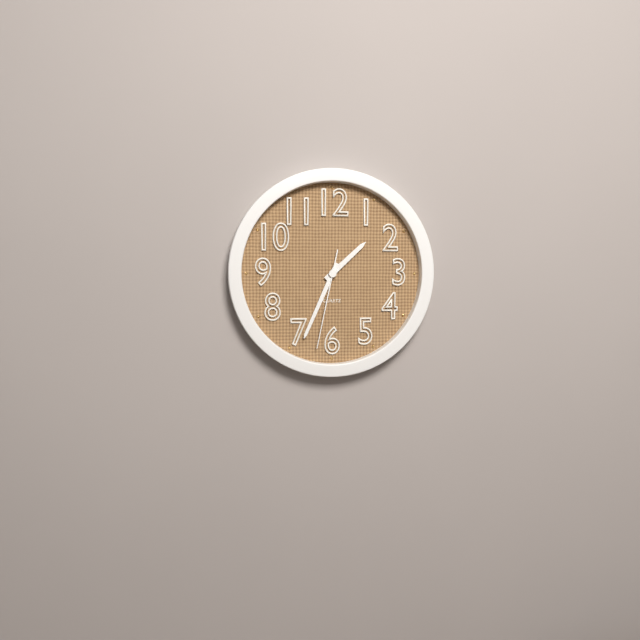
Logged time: 1,34,32
